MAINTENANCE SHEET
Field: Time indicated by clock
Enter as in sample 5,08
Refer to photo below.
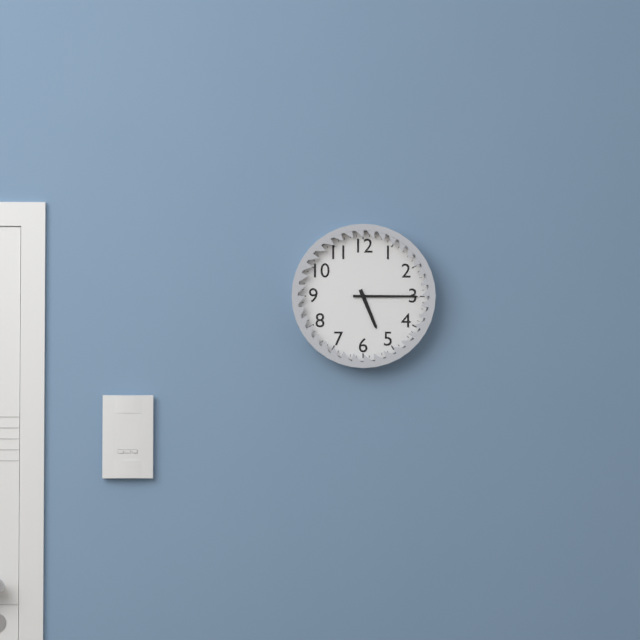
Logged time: 5,15
